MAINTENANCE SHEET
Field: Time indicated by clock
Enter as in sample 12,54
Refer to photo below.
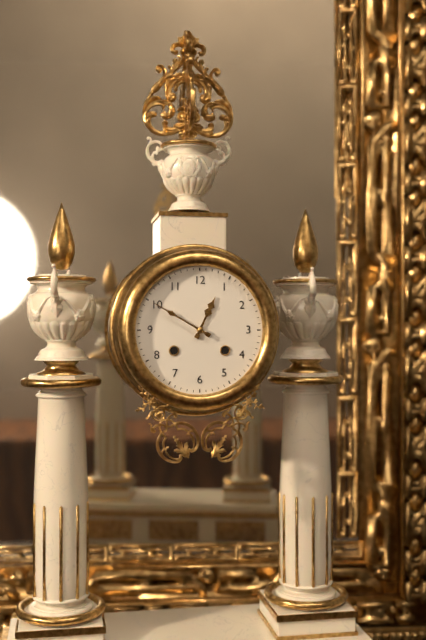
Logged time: 12,50
